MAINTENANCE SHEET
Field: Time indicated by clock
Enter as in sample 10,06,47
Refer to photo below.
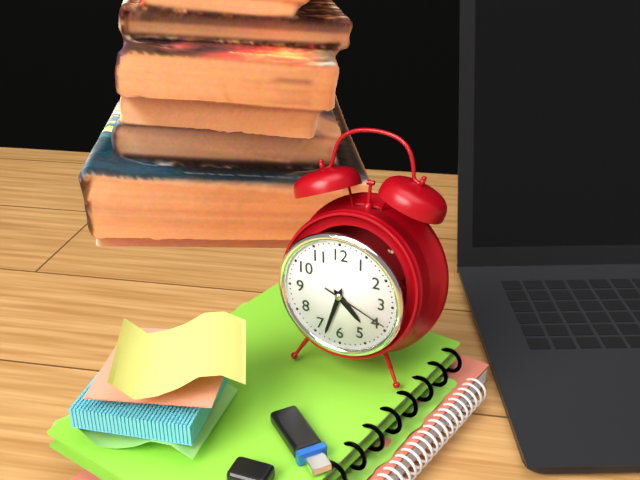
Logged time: 4,33,19
